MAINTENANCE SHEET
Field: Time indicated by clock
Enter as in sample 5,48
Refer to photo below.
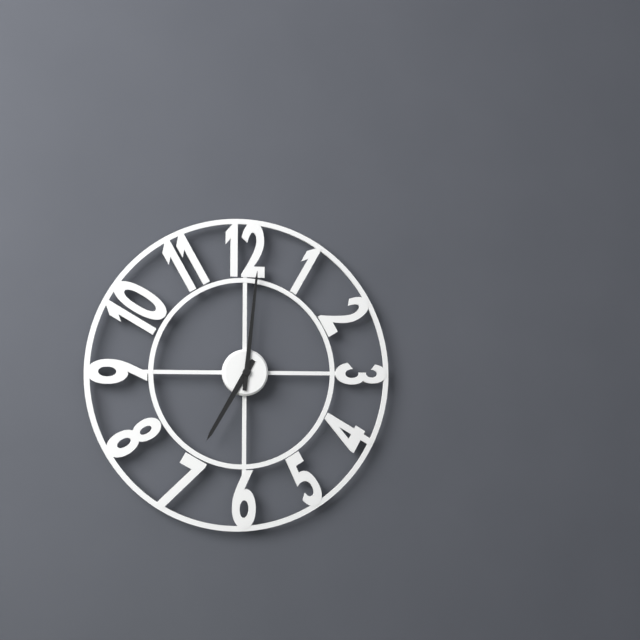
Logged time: 7,01
